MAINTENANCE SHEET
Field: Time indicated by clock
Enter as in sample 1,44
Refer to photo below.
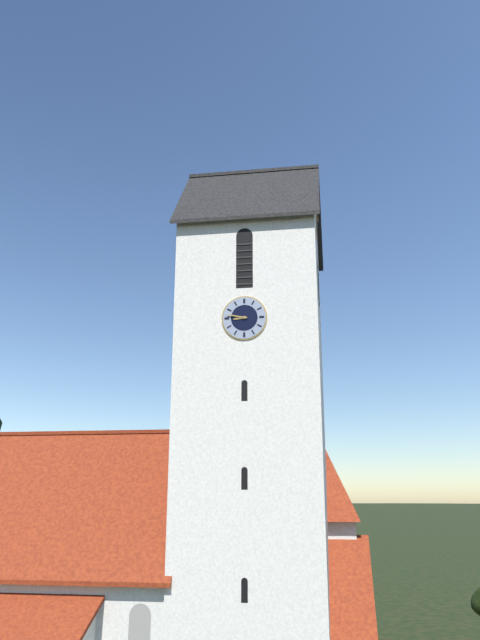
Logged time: 8,47
